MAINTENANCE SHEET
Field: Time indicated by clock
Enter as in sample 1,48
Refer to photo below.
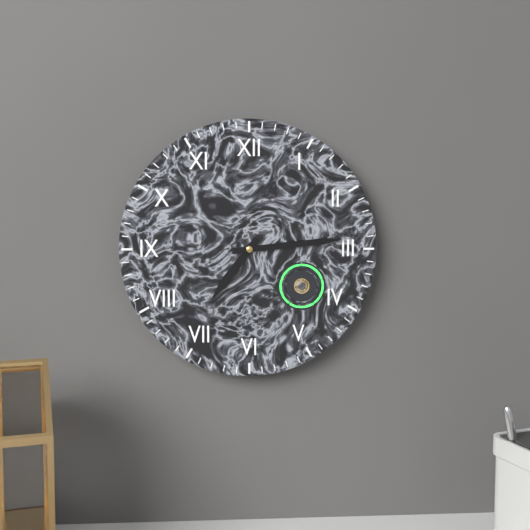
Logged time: 7,14
